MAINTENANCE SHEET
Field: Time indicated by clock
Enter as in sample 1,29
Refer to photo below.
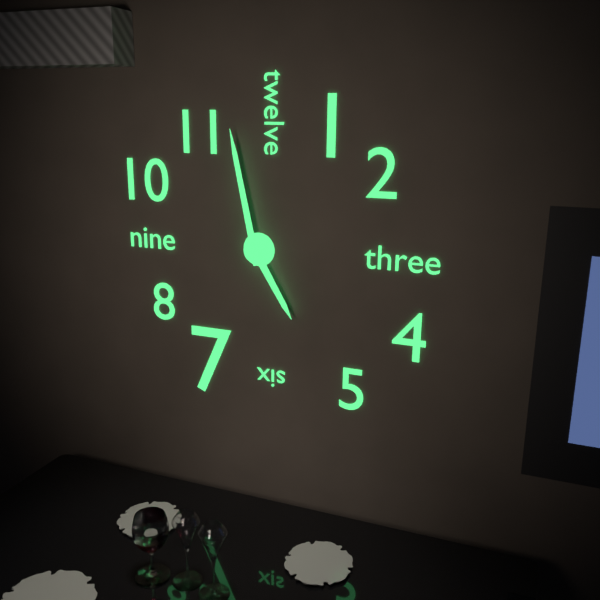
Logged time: 4,58
